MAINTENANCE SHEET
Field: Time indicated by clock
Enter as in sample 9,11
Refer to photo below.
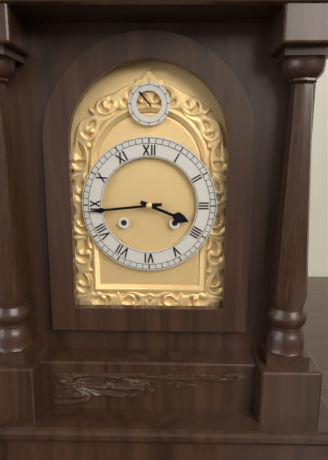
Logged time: 3,44
